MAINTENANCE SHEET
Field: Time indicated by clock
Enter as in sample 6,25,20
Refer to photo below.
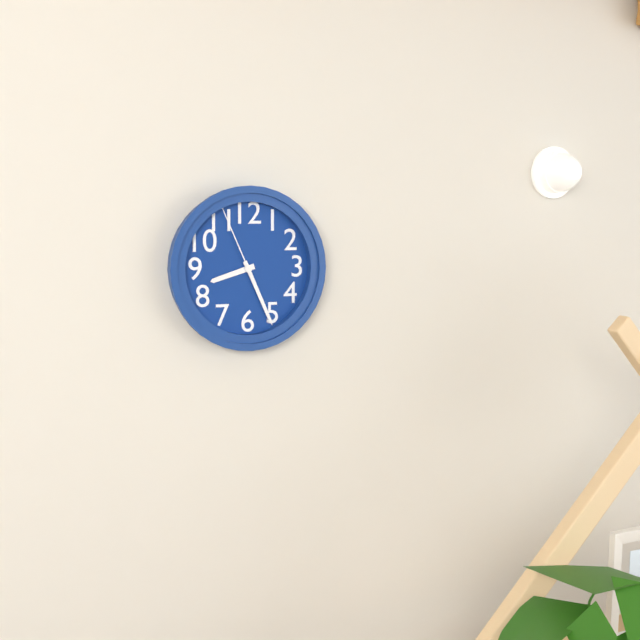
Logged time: 8,26,56
